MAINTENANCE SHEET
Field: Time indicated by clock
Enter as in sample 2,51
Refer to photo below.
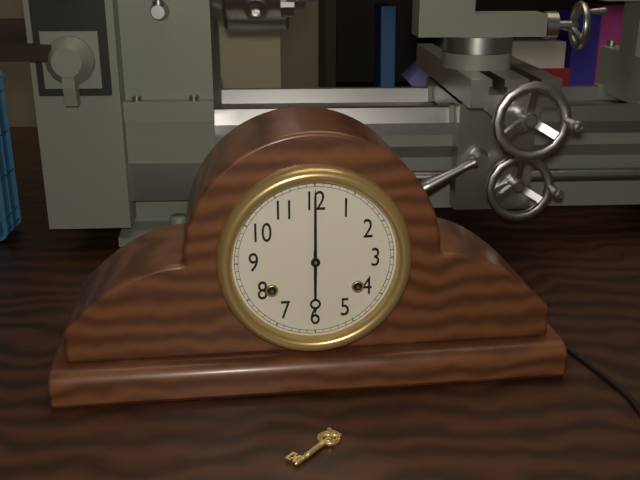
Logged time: 6,00
